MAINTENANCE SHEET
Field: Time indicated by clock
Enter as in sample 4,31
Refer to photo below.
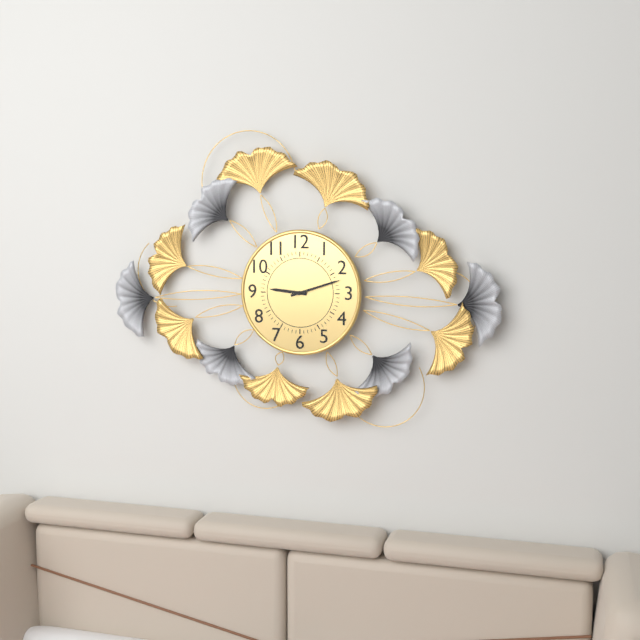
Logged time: 9,12
